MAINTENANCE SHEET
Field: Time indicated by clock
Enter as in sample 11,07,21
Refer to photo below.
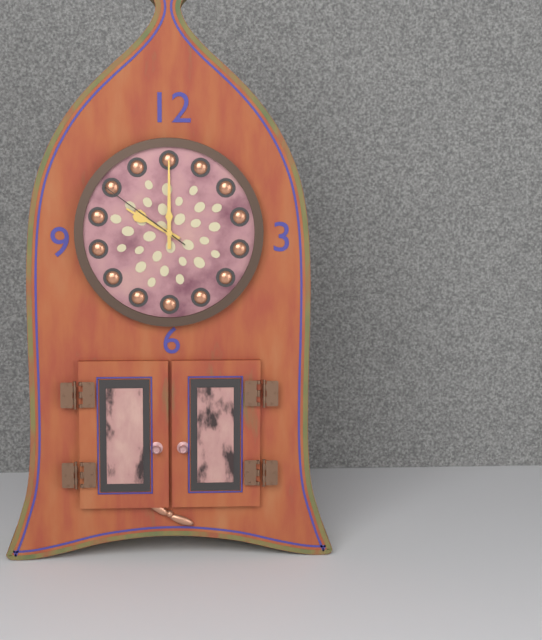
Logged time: 10,00,51
